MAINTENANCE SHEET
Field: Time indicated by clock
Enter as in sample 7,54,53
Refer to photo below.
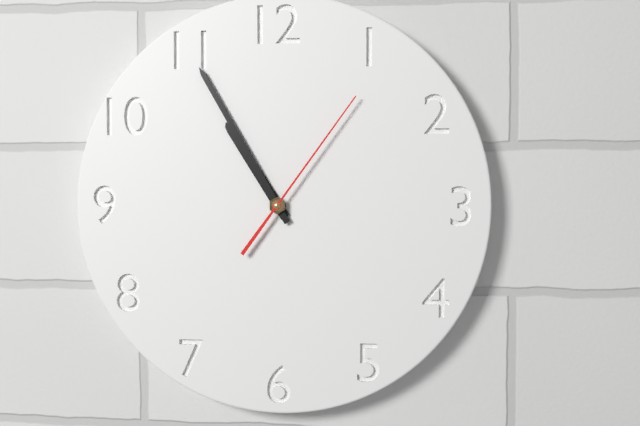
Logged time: 10,55,06
